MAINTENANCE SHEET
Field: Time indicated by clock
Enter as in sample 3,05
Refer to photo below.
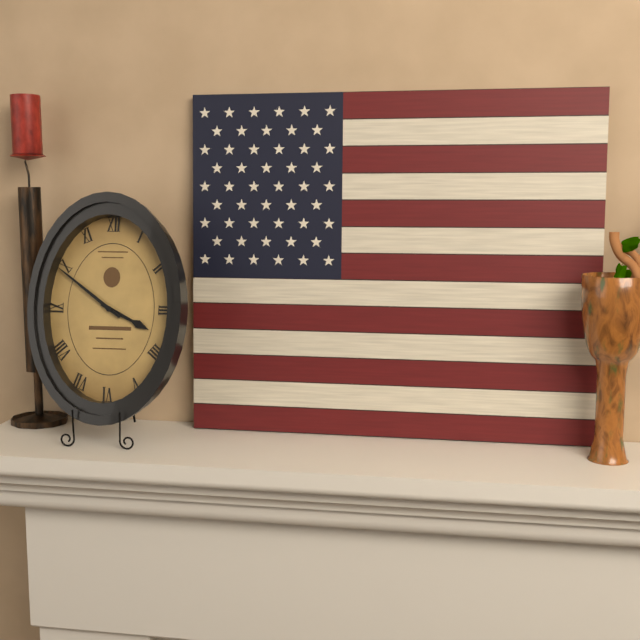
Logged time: 3,51
